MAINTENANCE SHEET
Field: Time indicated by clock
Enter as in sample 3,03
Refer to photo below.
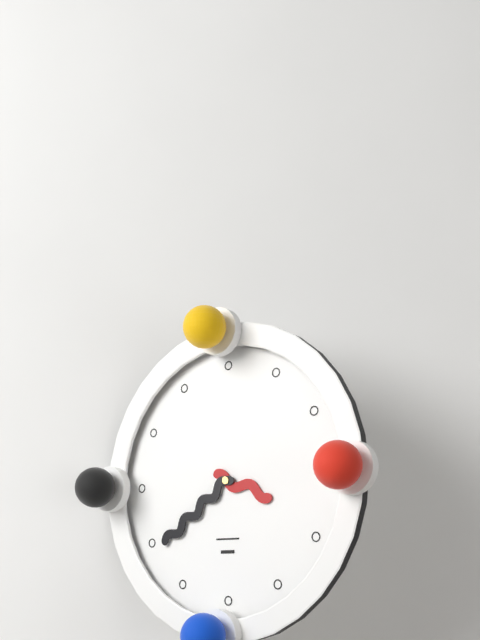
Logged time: 3,39
